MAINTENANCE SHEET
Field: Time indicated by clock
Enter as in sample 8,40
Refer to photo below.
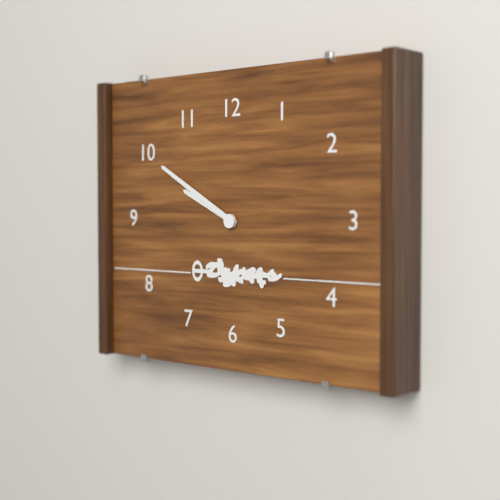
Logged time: 9,50
